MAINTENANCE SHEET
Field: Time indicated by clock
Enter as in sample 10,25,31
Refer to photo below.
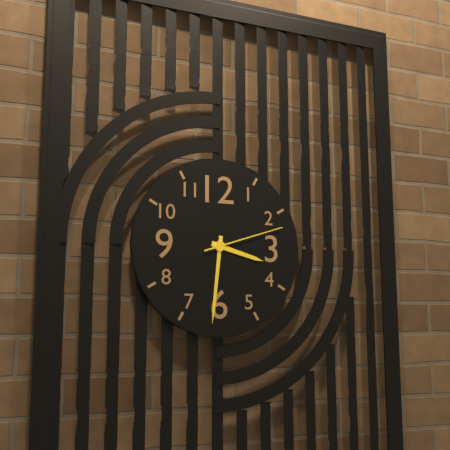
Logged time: 3,31,12
